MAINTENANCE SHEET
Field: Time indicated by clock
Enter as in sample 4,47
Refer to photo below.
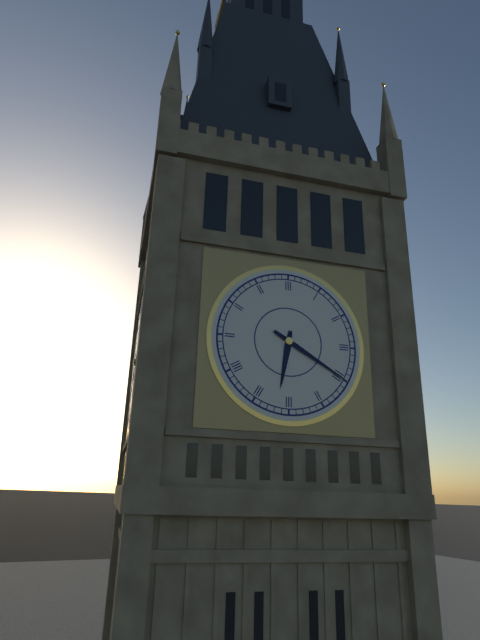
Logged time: 6,20
